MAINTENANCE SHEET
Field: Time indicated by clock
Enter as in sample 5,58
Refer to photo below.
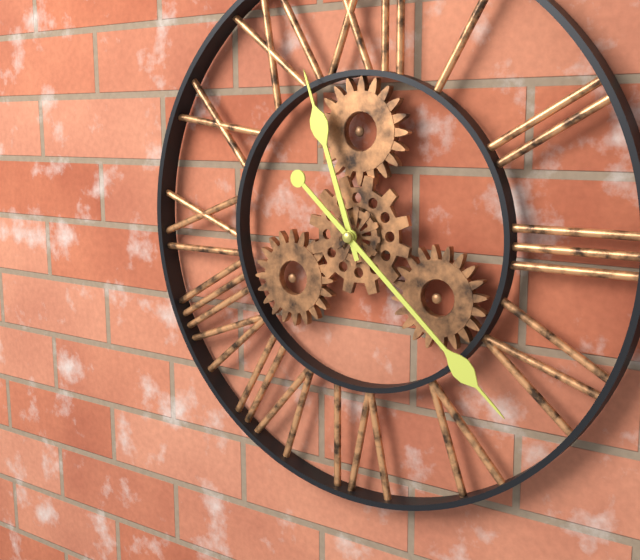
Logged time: 11,22
